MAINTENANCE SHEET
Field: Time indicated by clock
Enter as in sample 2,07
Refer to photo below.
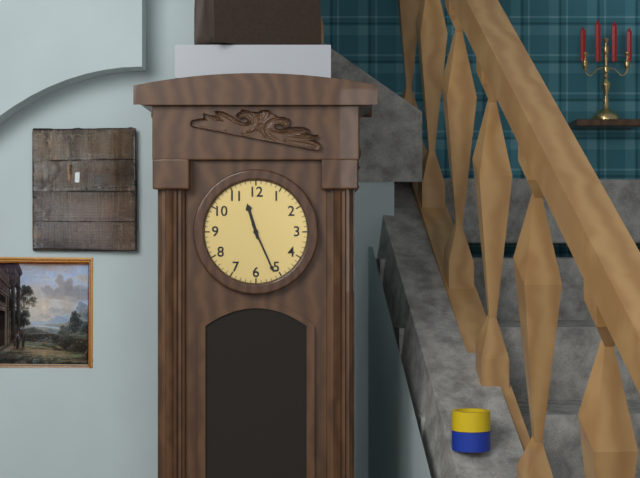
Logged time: 11,26
